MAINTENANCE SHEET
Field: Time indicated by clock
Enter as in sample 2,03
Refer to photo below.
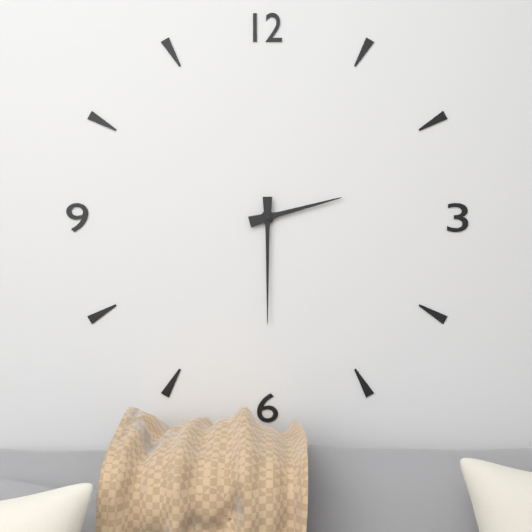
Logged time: 2,30
